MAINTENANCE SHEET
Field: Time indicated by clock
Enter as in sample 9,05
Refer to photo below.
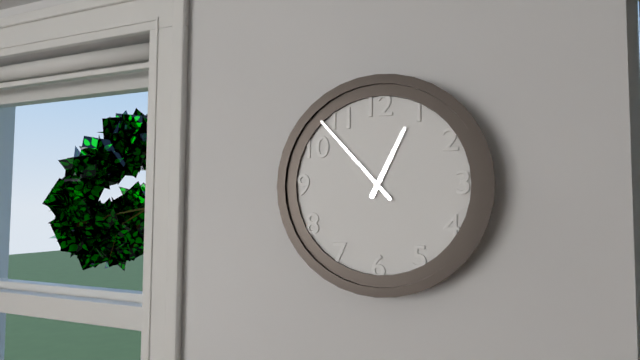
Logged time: 12,53
